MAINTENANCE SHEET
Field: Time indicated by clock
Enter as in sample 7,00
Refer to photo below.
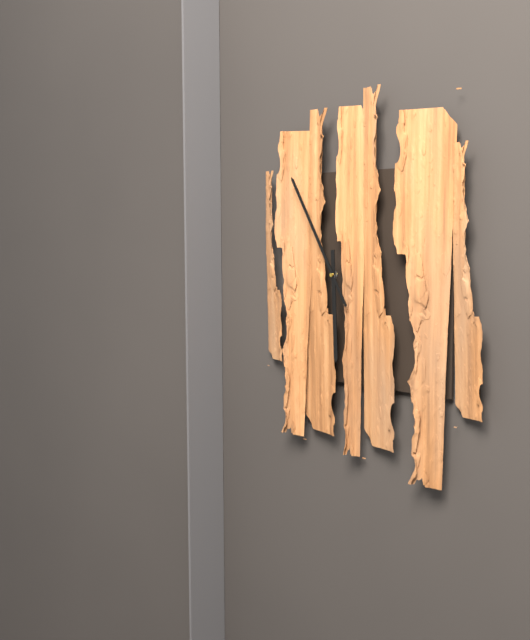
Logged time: 5,55
